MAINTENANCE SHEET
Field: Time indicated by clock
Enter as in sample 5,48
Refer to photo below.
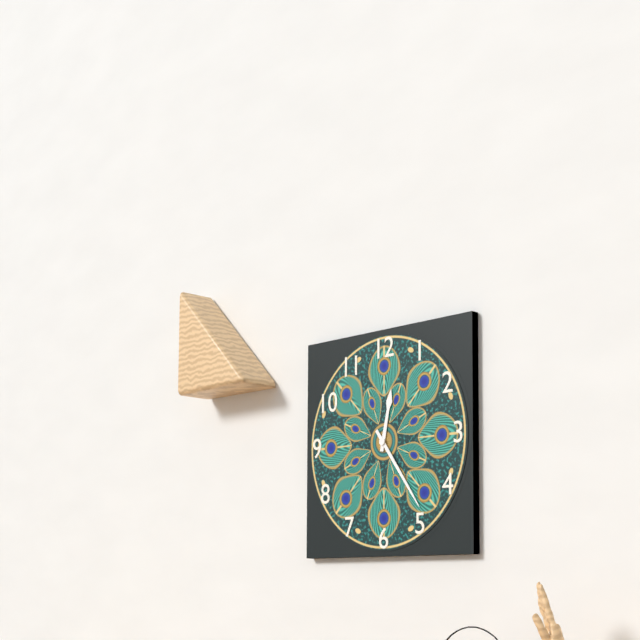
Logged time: 12,24
